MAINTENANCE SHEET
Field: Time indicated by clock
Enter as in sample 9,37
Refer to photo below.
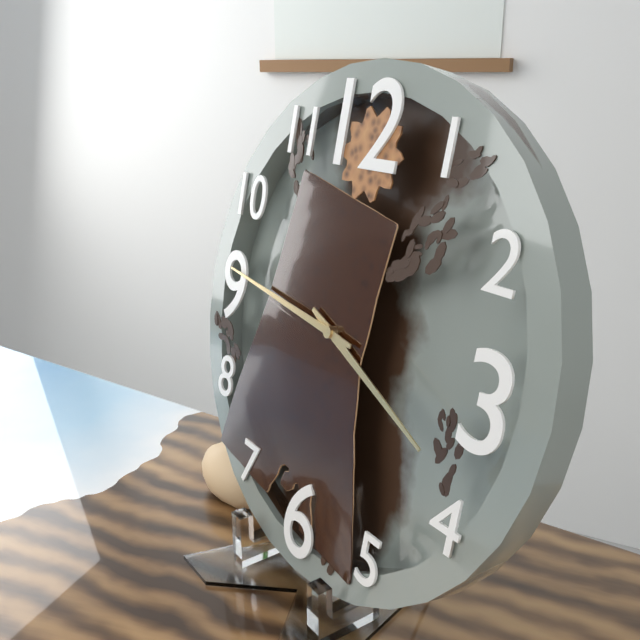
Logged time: 3,46
